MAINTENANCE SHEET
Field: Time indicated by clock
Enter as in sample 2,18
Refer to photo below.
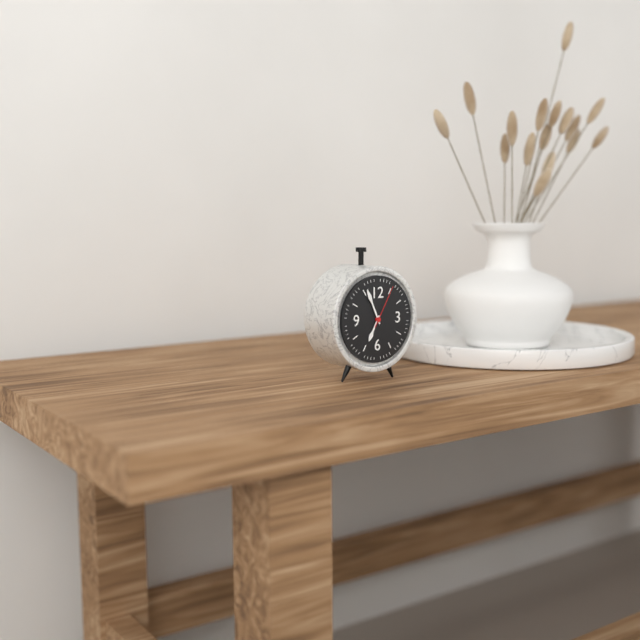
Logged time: 6,56
